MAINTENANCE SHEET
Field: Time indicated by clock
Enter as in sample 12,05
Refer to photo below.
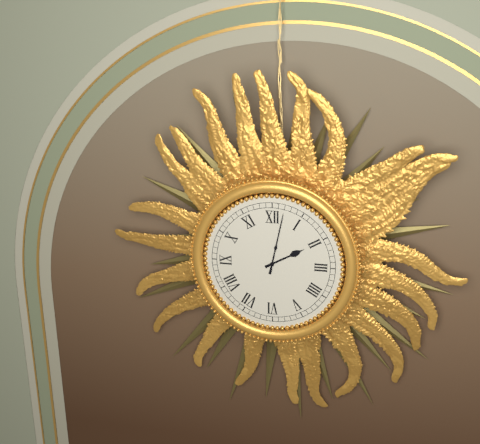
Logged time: 2,02
